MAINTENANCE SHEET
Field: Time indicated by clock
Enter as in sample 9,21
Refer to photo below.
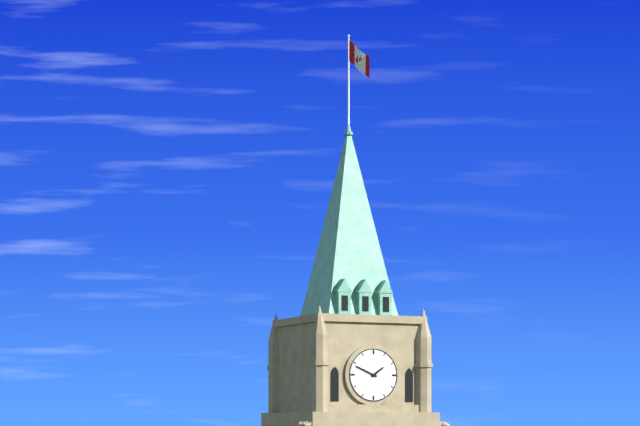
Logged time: 1,49
